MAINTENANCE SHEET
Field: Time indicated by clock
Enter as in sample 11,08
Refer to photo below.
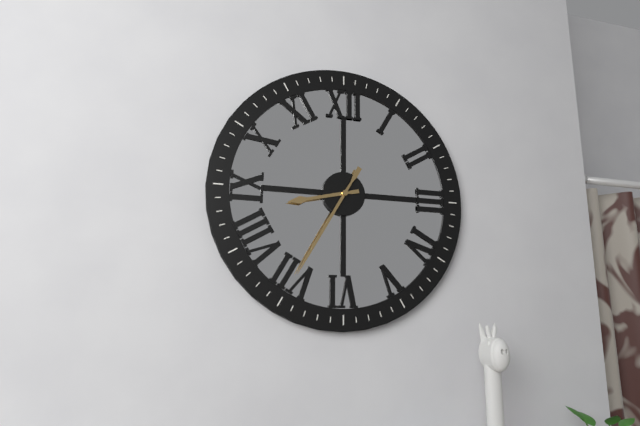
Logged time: 8,35
